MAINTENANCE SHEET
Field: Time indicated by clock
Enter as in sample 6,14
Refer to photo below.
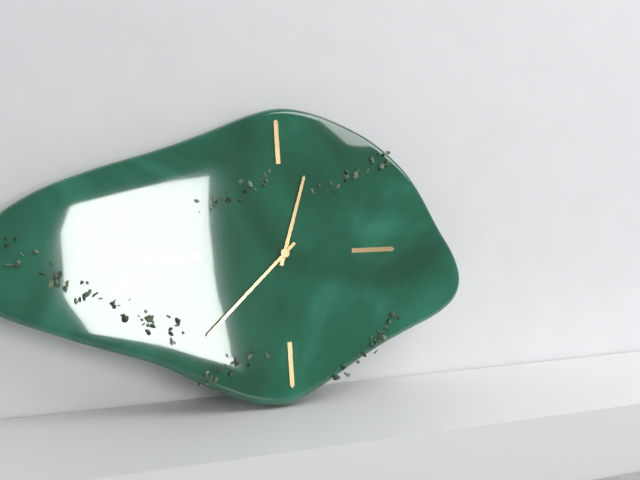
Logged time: 12,38
